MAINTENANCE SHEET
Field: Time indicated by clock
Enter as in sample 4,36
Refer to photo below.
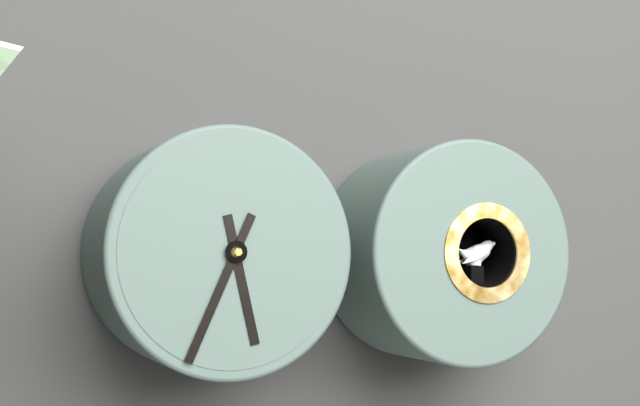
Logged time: 5,34
